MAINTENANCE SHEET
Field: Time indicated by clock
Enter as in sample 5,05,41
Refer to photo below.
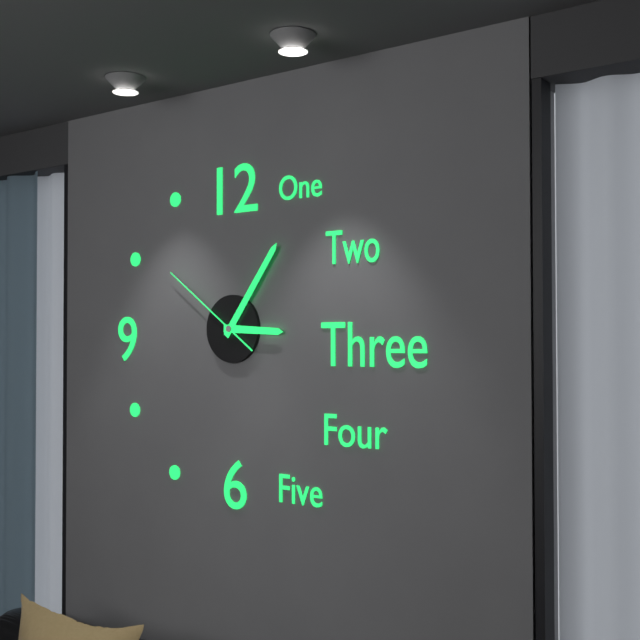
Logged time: 3,06,51
